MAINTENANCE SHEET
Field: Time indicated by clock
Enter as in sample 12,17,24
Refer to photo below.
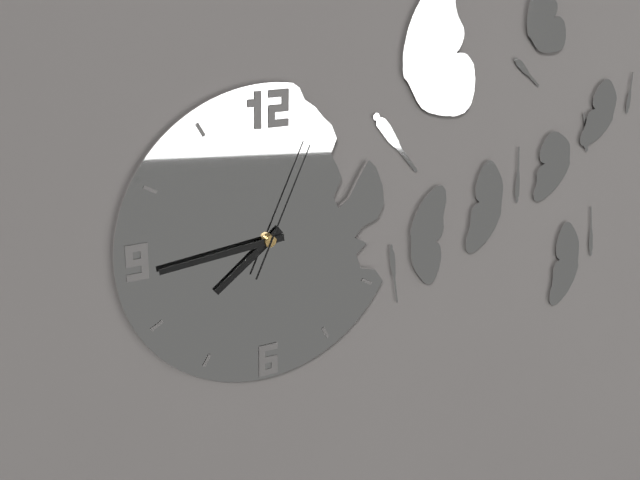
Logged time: 7,44,04
